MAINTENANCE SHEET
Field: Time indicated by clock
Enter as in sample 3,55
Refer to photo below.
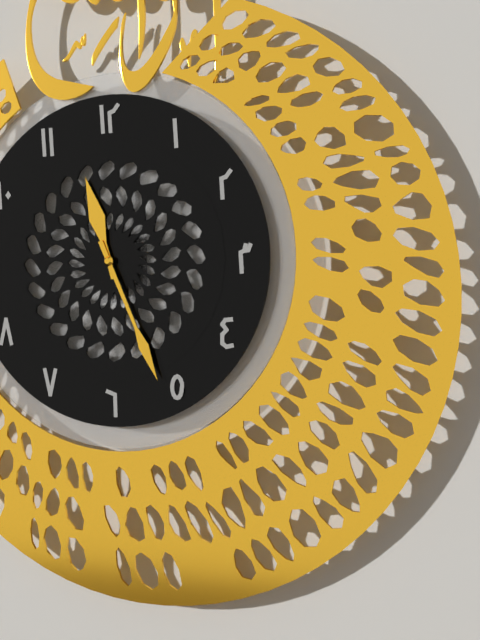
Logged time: 11,26
